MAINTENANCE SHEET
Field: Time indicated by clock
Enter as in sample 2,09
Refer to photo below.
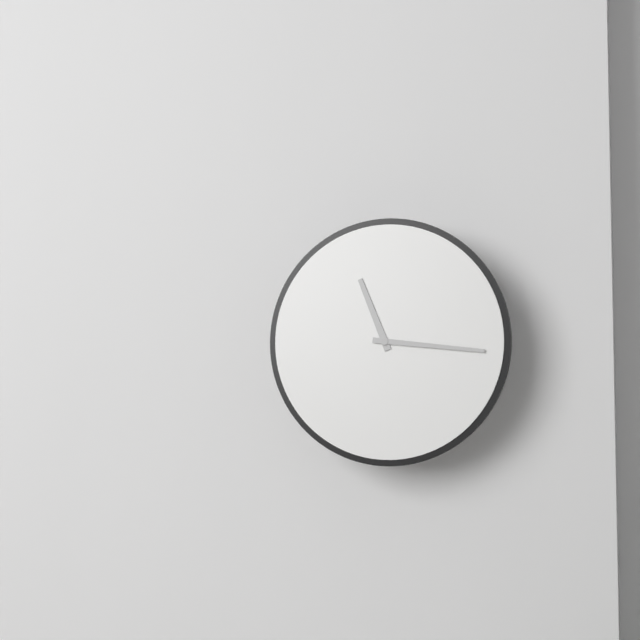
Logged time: 11,16
